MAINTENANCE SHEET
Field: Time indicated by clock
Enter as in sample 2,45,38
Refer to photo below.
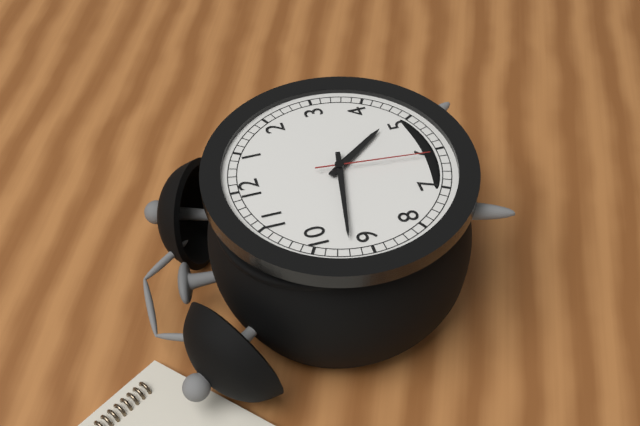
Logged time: 4,47,31
